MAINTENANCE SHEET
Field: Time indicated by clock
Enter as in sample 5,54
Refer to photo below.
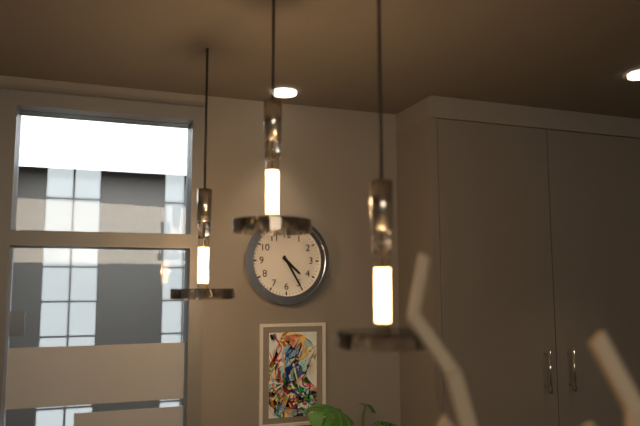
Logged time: 4,25
